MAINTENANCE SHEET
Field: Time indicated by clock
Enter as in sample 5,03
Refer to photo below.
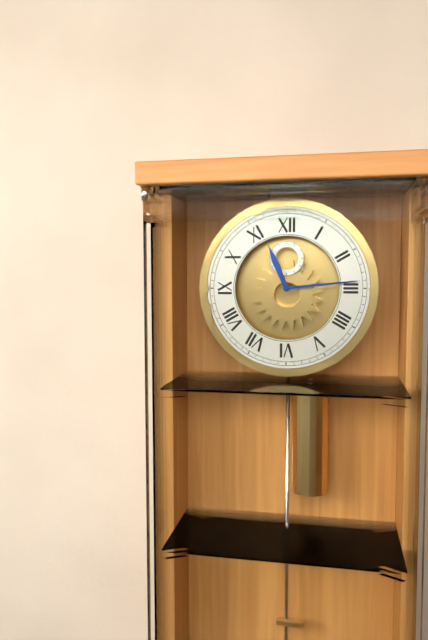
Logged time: 11,14
